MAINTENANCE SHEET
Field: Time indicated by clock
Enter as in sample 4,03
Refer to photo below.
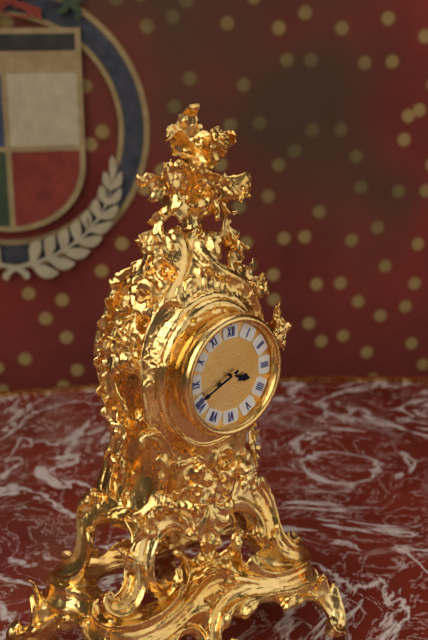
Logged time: 3,41
